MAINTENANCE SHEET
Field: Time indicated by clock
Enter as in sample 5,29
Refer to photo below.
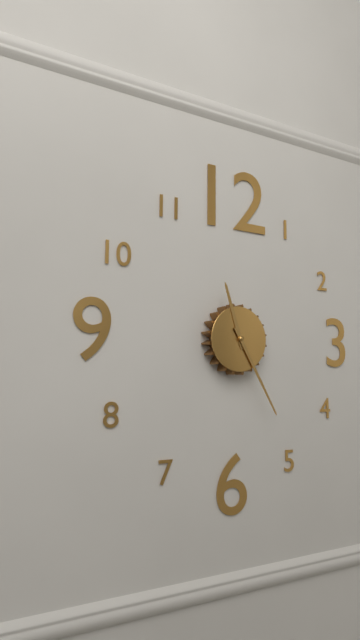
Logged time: 11,25
